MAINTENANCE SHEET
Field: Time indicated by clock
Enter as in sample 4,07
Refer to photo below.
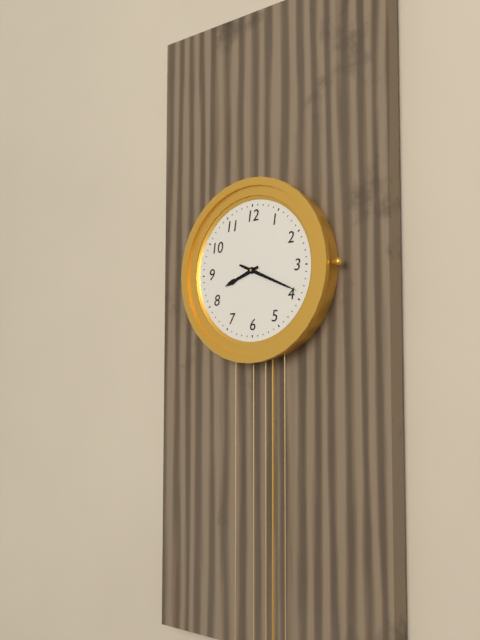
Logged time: 8,19
